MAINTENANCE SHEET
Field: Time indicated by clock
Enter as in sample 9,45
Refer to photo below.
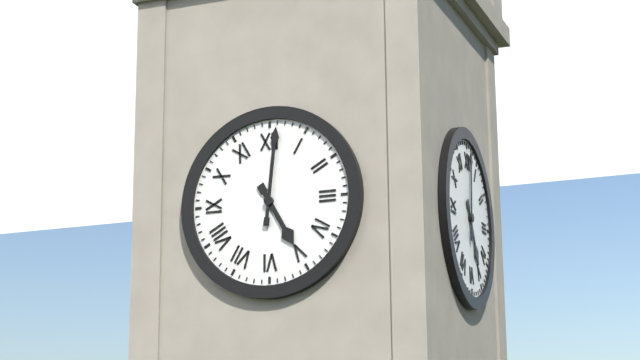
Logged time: 5,01
